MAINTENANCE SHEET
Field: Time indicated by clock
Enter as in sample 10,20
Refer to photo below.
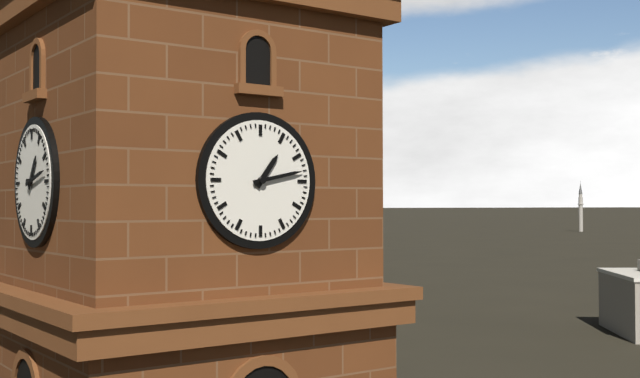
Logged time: 1,13
